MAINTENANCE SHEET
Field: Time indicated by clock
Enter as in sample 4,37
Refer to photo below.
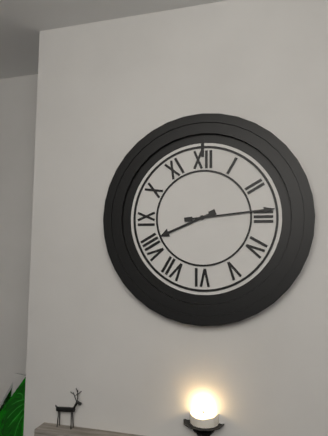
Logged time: 8,14
